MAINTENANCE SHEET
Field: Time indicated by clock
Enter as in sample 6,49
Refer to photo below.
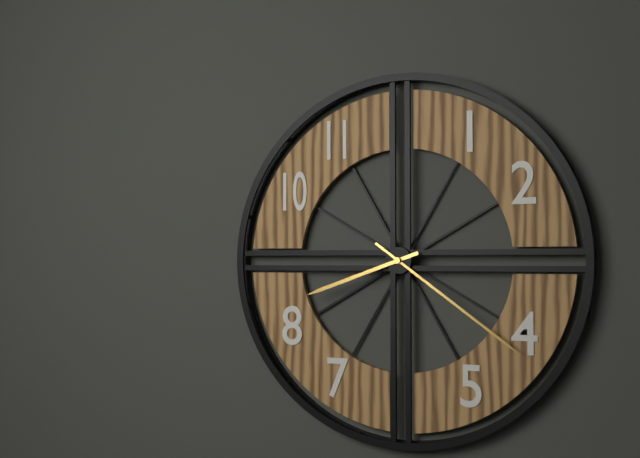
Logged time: 8,21
